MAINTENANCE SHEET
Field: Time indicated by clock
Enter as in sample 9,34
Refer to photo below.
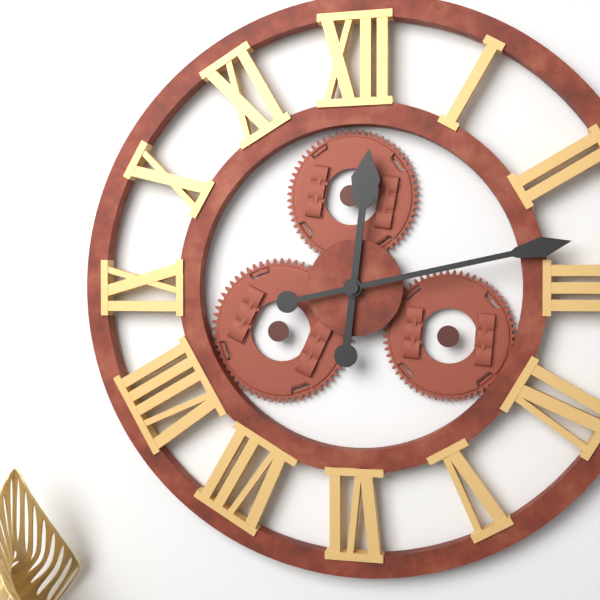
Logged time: 12,13
